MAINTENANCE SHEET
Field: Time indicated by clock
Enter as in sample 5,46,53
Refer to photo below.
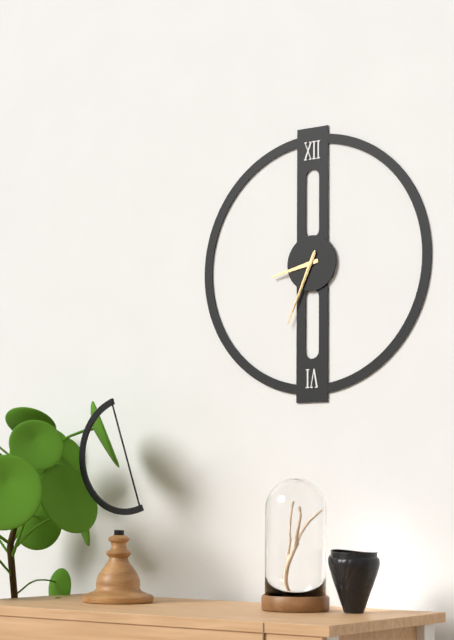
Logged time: 8,34,34
